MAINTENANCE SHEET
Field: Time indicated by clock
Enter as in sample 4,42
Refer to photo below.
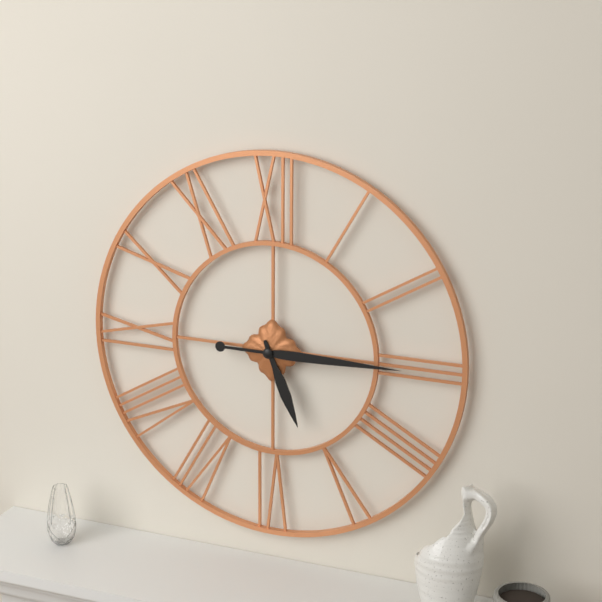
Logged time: 5,15
